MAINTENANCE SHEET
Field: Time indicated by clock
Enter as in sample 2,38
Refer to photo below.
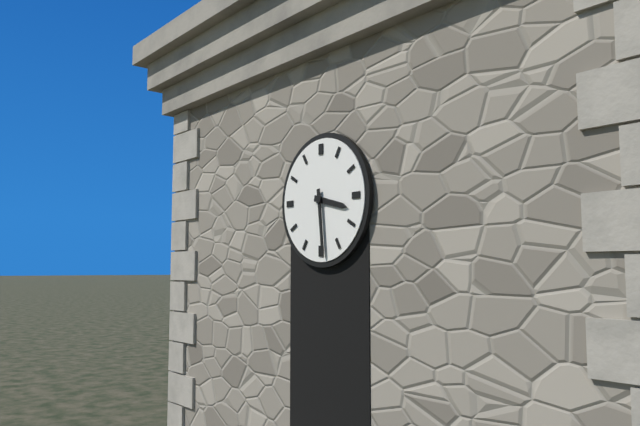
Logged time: 3,29
